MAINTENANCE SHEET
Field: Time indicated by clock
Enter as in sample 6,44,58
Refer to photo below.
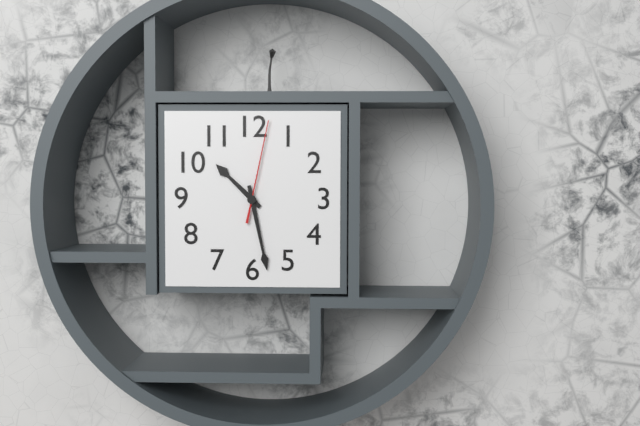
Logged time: 10,28,02
